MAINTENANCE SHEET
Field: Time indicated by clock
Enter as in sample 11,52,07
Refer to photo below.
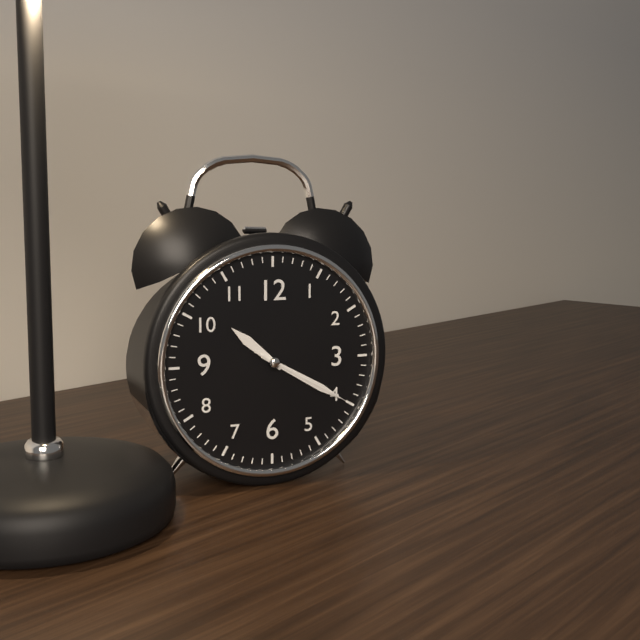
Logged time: 10,20,20
